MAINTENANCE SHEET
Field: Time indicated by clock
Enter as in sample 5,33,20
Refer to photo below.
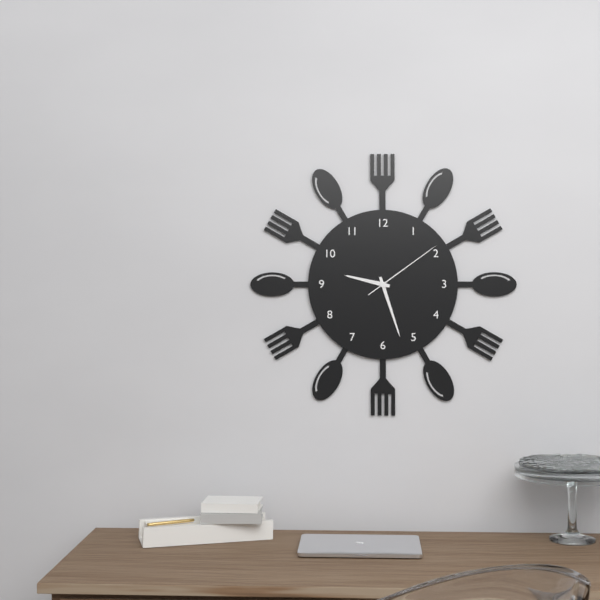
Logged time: 9,27,09
